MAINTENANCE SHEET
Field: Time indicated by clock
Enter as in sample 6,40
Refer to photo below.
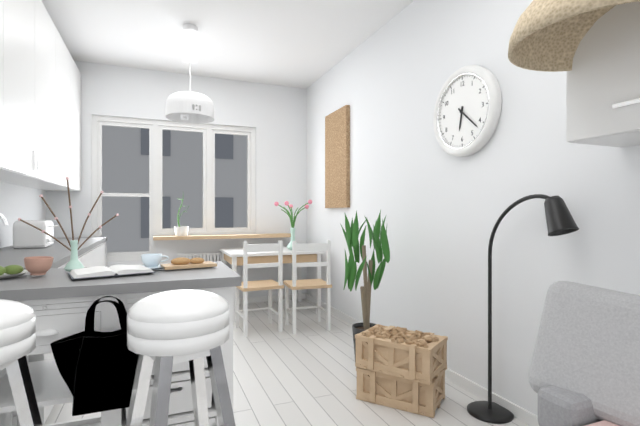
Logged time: 6,22
